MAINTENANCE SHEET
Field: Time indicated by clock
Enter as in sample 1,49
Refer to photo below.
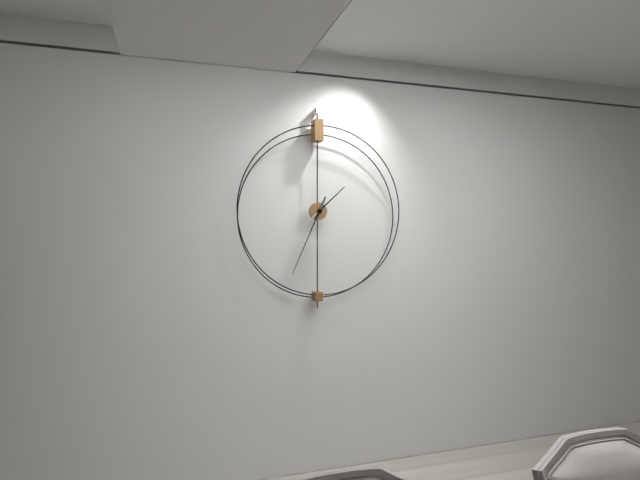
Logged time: 1,34
